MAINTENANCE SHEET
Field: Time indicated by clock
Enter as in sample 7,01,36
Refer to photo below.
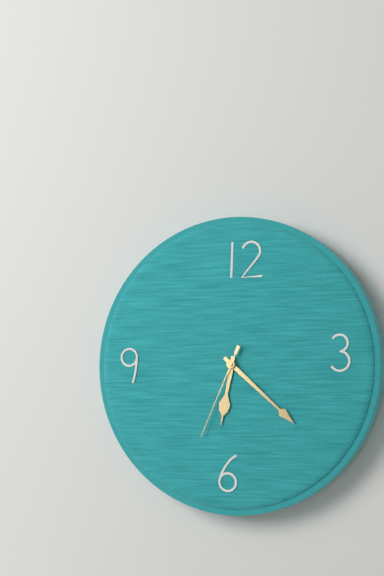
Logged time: 6,22,34
